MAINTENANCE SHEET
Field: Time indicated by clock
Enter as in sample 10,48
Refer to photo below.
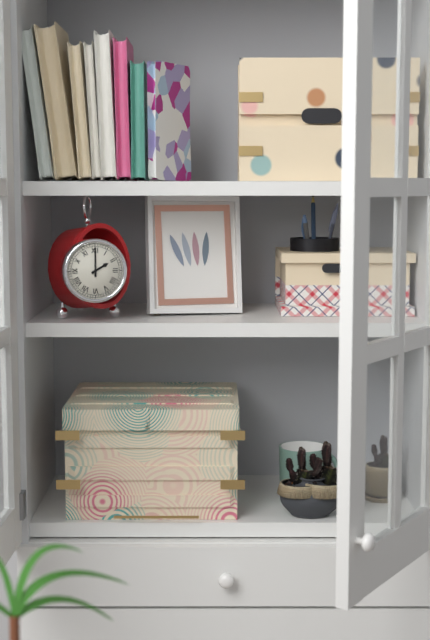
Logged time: 2,00
